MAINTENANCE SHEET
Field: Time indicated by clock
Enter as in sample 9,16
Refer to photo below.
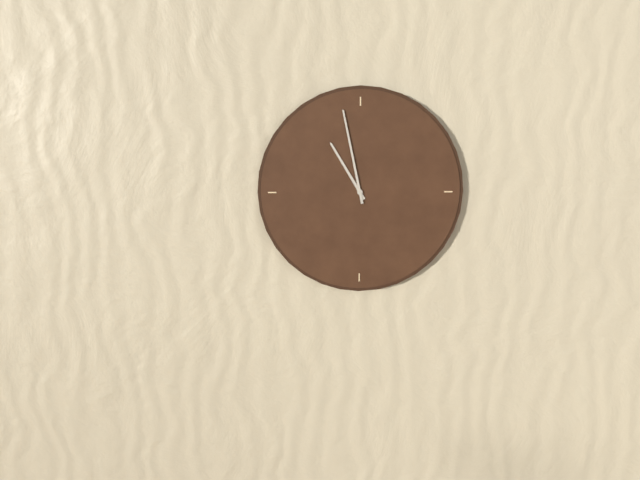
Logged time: 10,58
